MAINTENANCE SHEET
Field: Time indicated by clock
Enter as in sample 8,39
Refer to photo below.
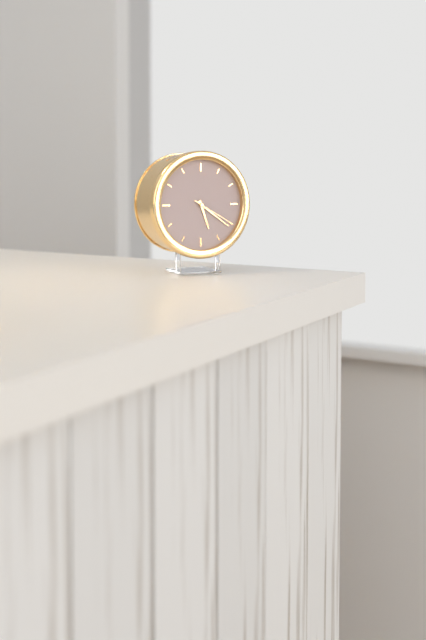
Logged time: 5,21
